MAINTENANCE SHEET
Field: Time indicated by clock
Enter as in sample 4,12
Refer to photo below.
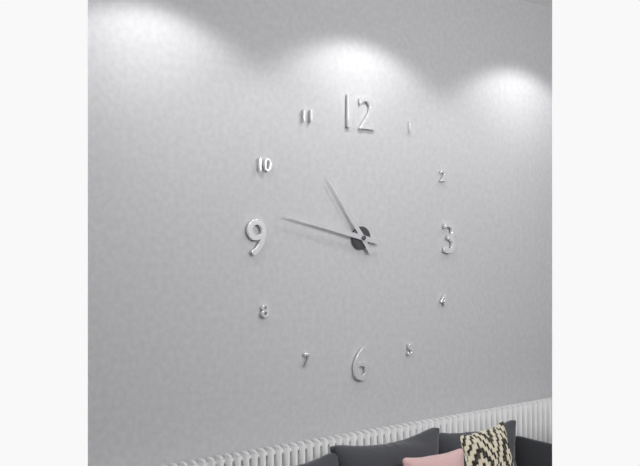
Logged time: 10,47
